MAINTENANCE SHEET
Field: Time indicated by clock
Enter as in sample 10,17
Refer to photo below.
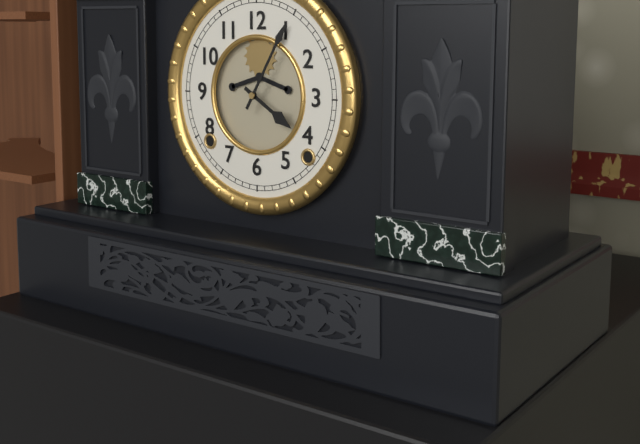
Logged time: 4,05
